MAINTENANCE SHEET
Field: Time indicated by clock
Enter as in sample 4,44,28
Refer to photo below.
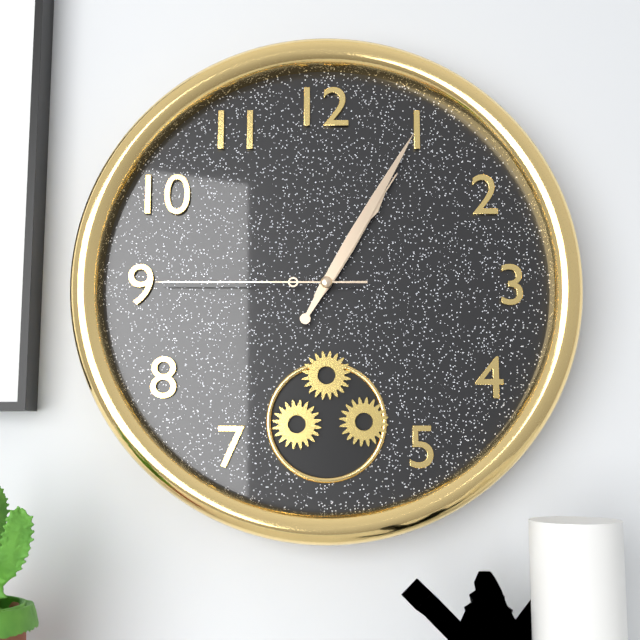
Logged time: 1,05,45
